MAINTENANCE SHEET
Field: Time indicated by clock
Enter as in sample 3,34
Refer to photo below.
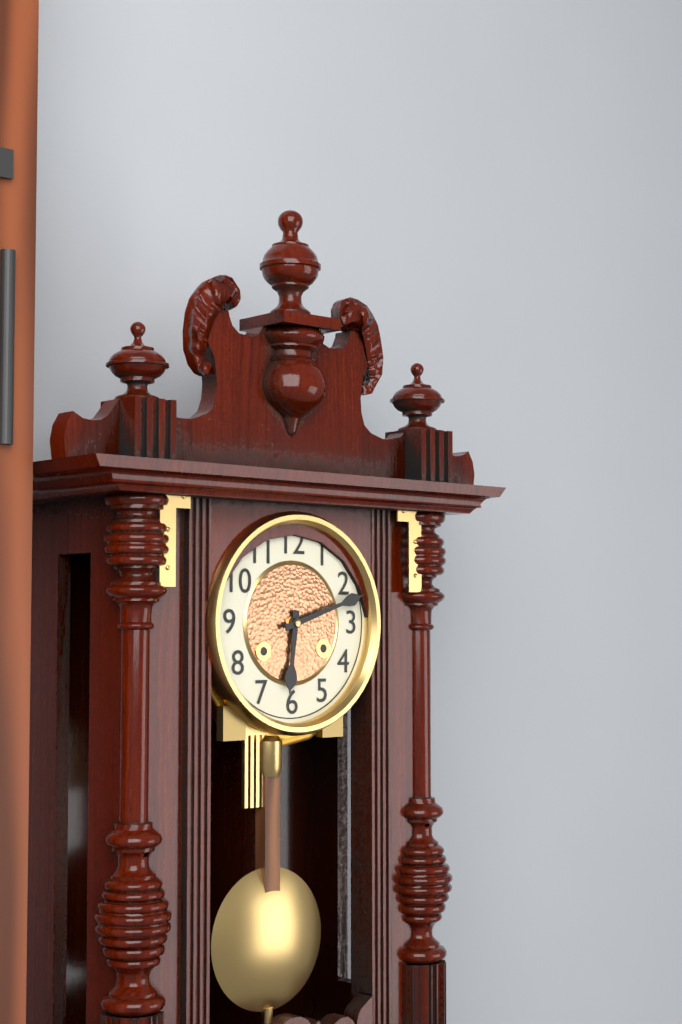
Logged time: 6,12
